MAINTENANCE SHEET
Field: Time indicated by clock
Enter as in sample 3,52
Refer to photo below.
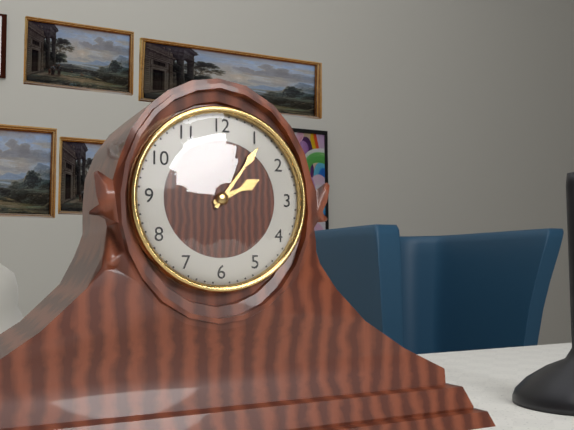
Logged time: 2,06
